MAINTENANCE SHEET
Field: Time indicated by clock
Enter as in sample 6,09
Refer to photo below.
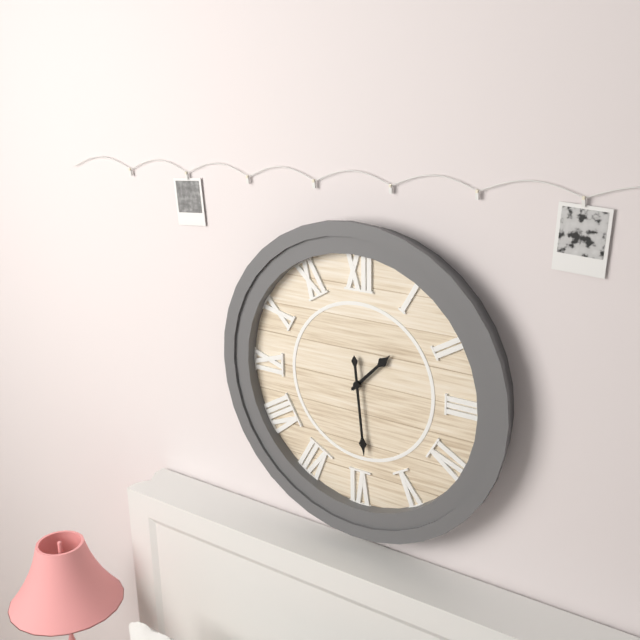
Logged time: 1,29
